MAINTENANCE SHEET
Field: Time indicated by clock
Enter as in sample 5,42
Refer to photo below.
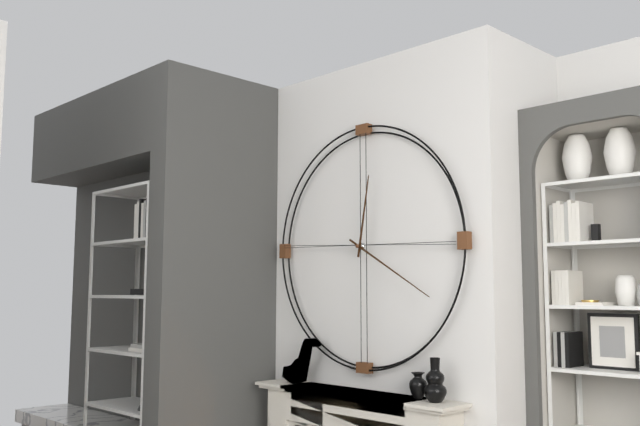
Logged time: 12,20
